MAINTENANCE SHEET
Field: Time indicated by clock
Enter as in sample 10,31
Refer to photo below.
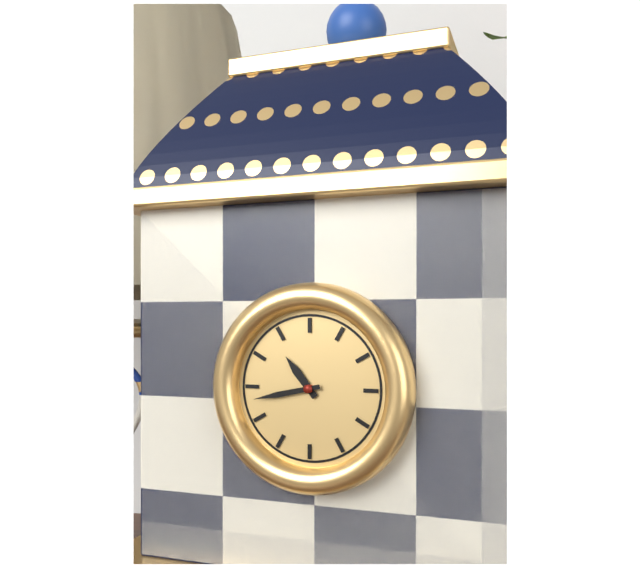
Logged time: 10,43
